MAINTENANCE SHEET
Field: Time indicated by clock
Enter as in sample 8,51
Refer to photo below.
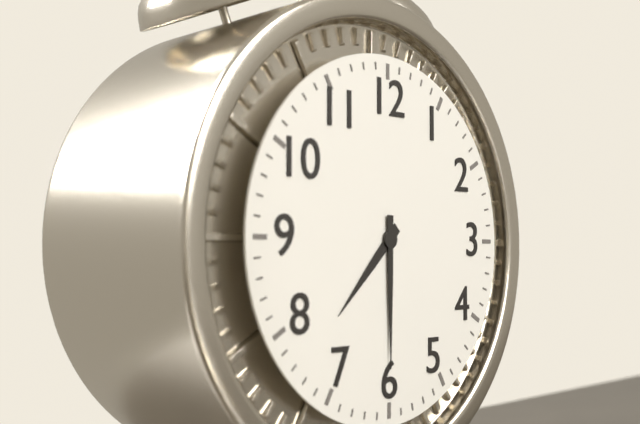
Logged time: 7,30
